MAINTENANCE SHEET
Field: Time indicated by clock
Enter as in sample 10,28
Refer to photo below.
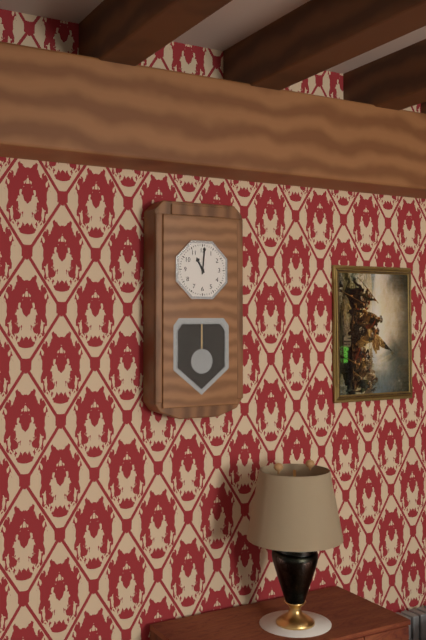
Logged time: 11,01
